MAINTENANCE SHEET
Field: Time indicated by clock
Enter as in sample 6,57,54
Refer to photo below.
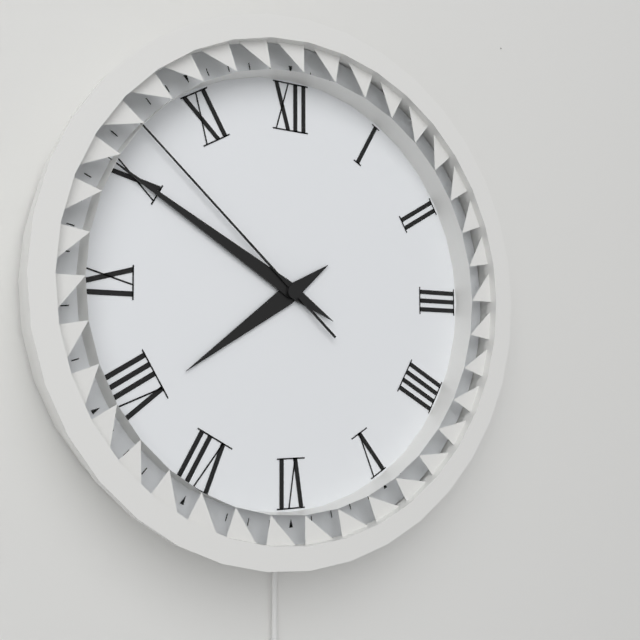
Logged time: 7,50,52
